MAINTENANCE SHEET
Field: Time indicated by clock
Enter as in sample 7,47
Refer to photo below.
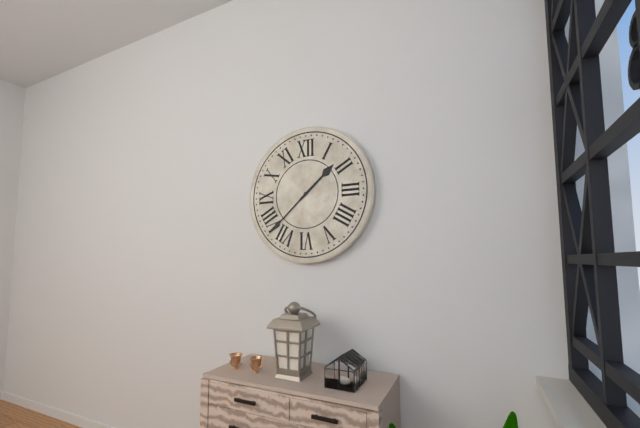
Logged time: 1,38
